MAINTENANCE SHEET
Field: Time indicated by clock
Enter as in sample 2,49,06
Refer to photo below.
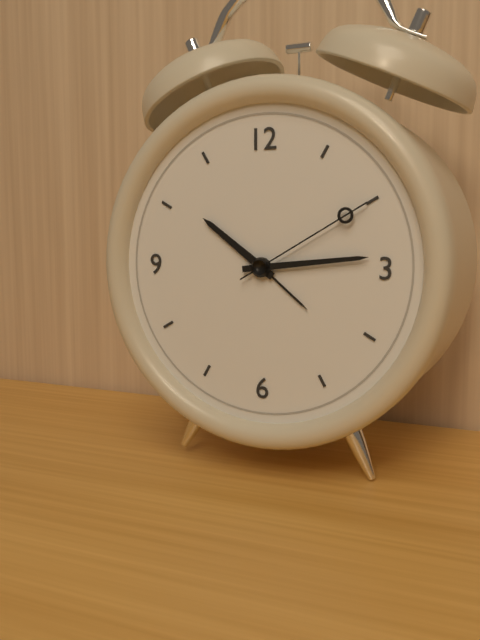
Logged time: 10,14,10
